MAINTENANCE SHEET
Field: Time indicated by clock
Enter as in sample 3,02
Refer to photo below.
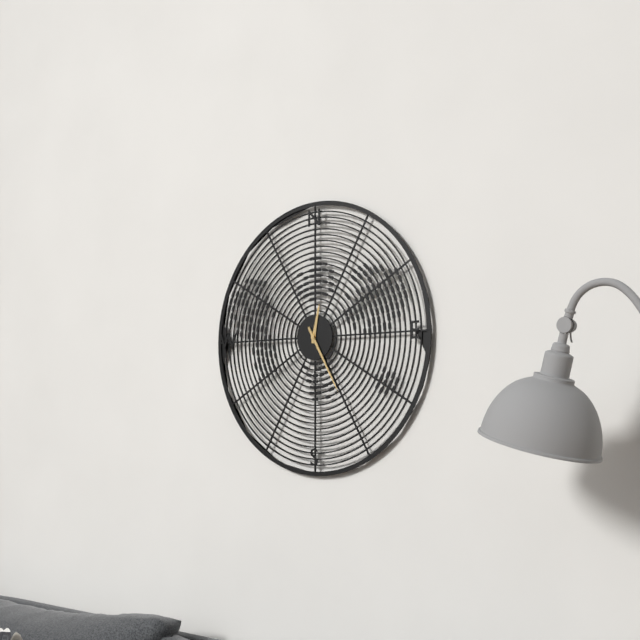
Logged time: 12,25
